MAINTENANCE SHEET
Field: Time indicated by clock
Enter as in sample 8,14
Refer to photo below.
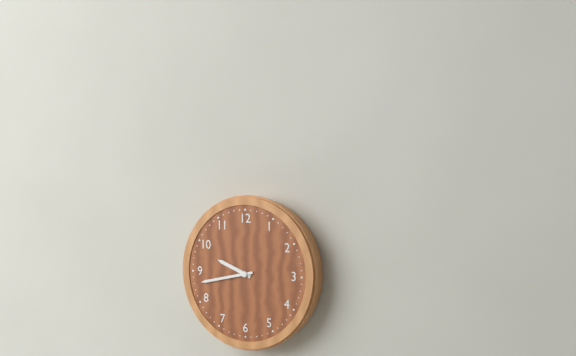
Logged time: 9,43
